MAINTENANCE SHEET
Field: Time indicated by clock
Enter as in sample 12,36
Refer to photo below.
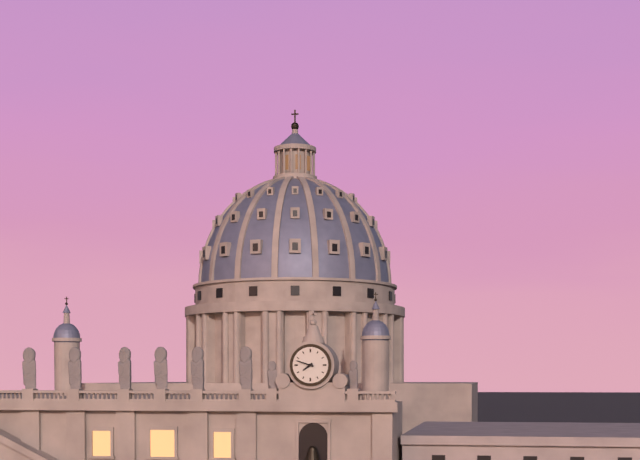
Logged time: 7,48
